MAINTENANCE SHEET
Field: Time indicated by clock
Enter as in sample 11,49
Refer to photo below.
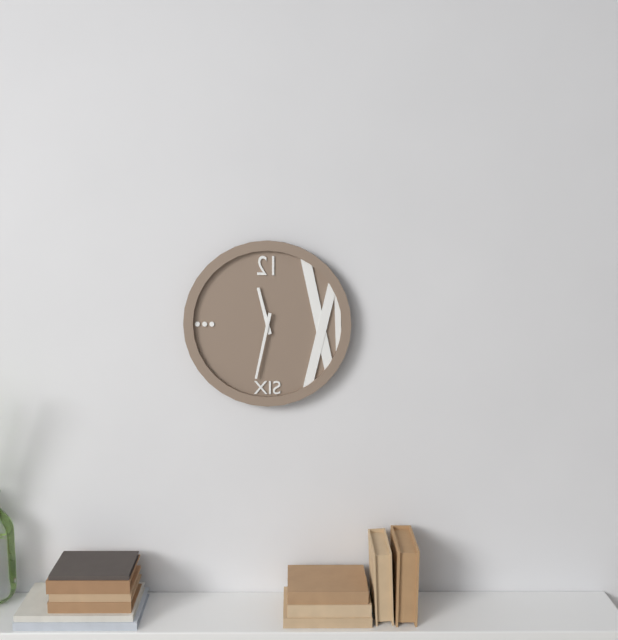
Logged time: 11,32
